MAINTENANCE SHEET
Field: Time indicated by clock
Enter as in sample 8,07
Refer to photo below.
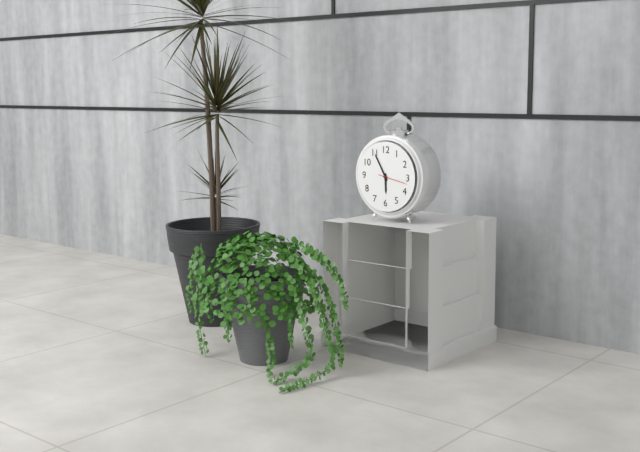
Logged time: 5,55
